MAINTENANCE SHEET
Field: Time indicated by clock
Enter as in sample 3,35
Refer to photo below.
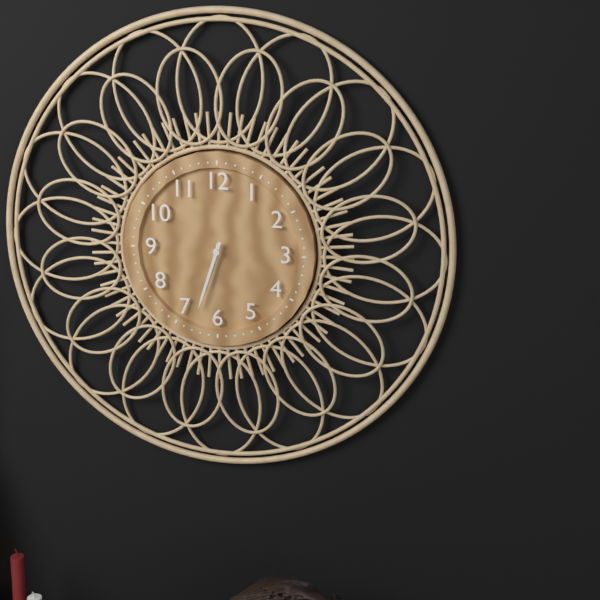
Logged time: 6,33
